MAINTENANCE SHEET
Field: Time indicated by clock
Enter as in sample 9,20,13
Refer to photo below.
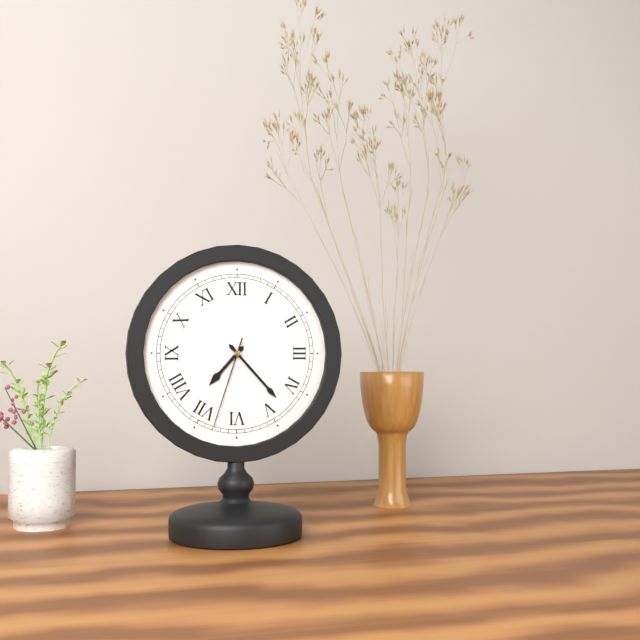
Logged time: 7,23,33
